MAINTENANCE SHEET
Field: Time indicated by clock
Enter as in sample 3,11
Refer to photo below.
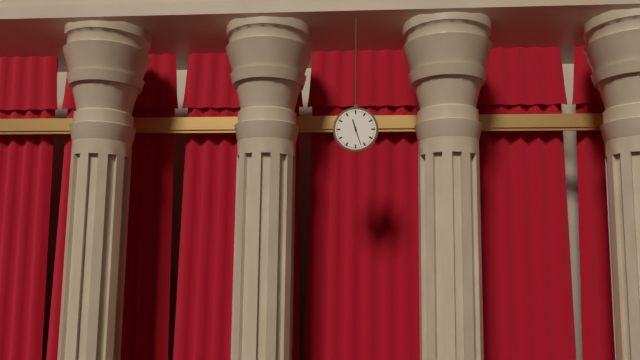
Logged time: 11,27
